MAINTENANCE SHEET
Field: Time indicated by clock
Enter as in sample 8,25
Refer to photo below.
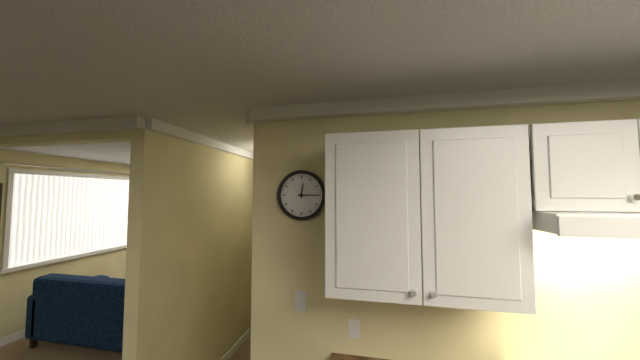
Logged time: 12,15
